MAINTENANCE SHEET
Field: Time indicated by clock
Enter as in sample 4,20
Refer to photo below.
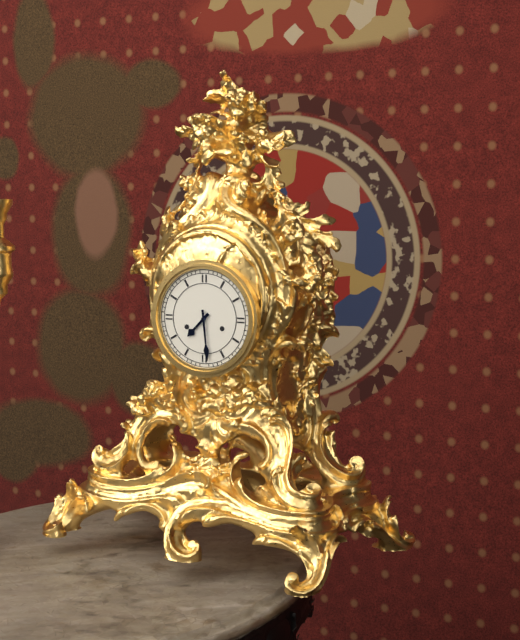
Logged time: 7,29
